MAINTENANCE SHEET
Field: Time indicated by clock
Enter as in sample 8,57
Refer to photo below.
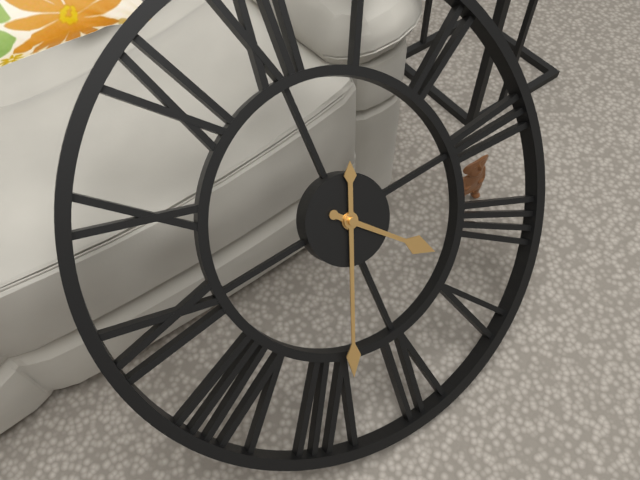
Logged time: 4,34
